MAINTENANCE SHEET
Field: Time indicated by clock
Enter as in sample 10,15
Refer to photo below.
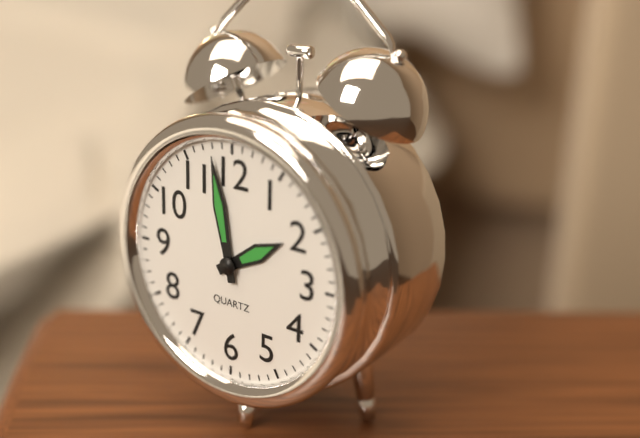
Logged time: 1,58
